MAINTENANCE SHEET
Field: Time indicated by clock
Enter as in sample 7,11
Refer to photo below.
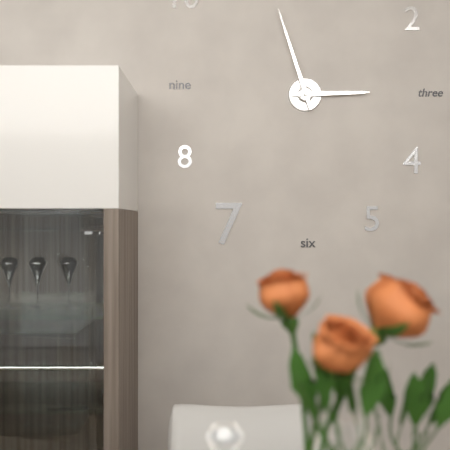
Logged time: 2,57
